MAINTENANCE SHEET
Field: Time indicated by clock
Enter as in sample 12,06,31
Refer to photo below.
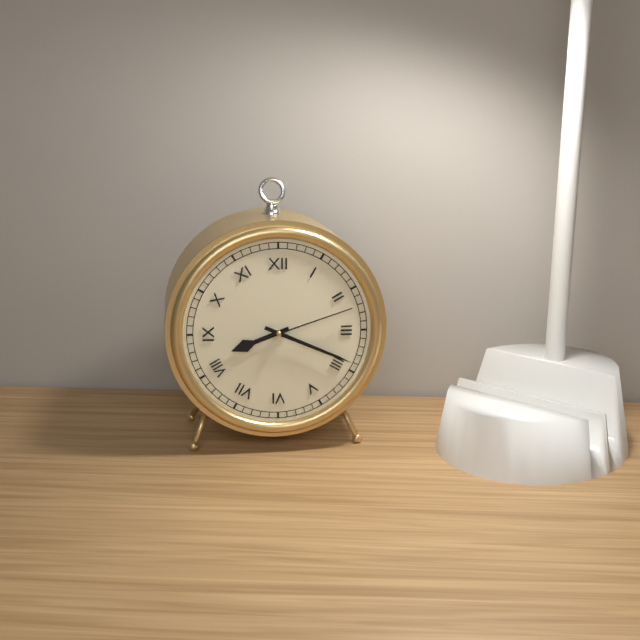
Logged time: 8,19,12
